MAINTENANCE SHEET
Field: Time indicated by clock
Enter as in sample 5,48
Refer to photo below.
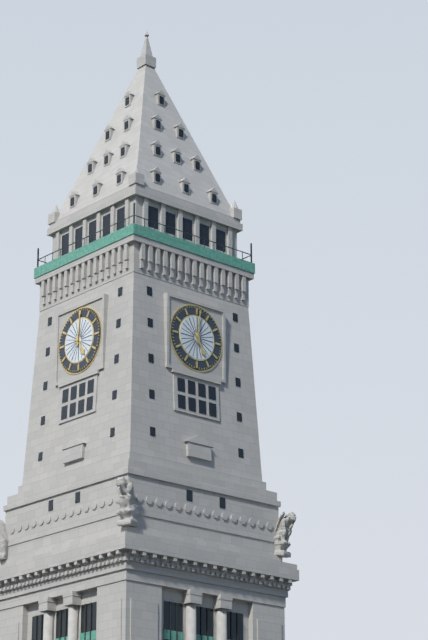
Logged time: 5,01
